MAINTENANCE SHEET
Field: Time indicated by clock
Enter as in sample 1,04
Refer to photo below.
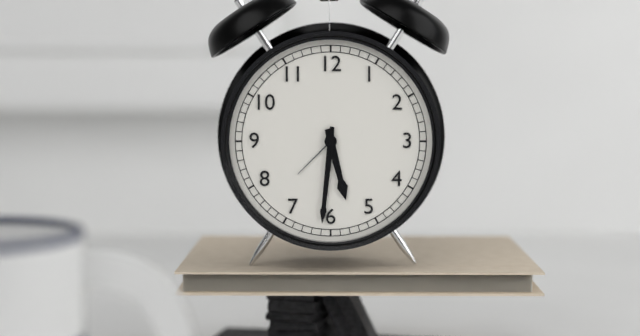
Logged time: 5,31
